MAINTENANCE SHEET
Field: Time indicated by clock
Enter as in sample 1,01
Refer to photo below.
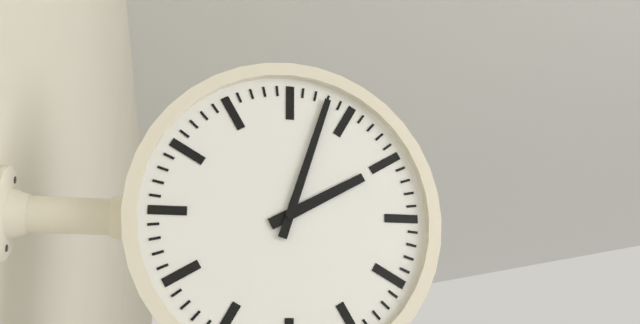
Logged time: 2,03
